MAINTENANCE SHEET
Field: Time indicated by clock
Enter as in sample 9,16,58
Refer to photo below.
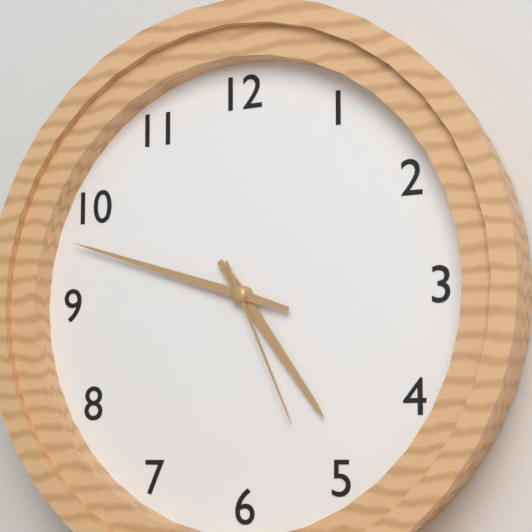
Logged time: 4,48,26
